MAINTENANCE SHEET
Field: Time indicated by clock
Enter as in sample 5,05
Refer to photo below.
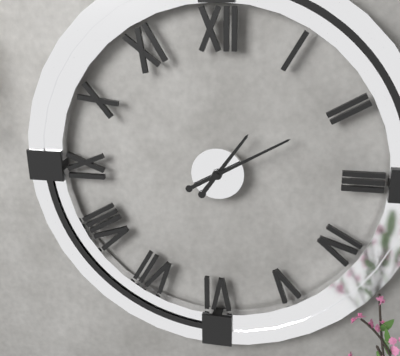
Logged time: 1,10
